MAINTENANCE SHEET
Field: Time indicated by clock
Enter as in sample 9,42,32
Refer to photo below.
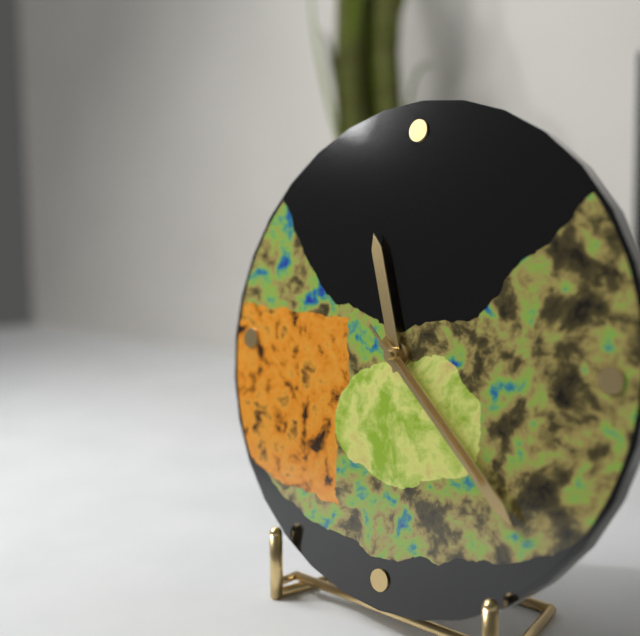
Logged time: 11,22,22
